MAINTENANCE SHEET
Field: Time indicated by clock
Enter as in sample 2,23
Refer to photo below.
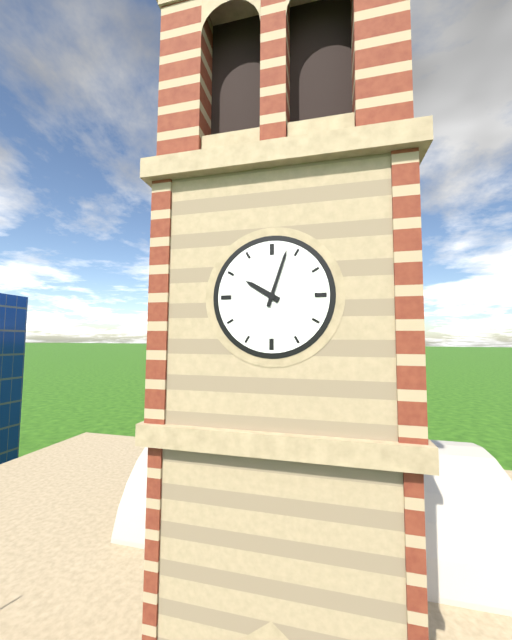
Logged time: 10,03
